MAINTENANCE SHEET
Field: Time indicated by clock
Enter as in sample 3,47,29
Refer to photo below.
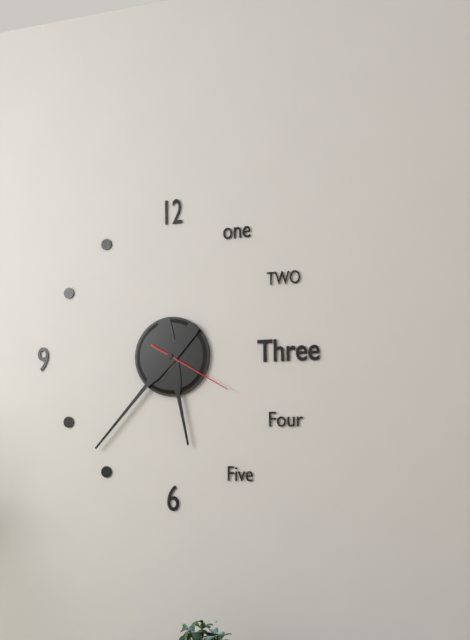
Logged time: 5,37,20
